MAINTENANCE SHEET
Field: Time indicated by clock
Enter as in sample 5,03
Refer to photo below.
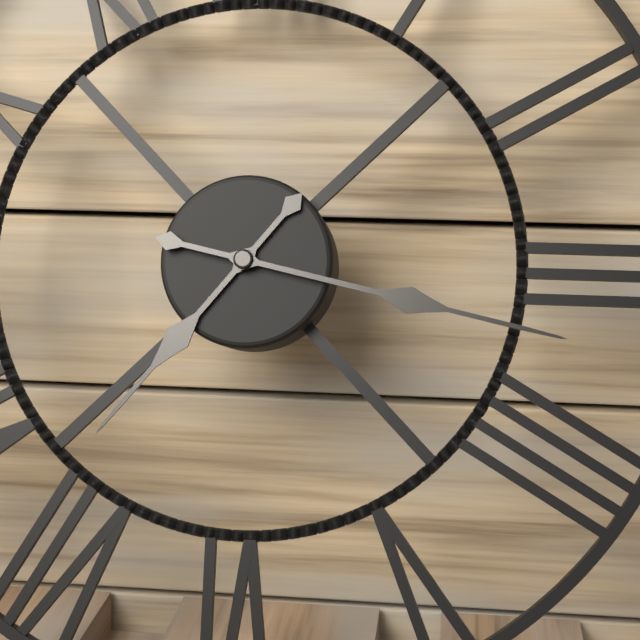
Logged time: 7,17
